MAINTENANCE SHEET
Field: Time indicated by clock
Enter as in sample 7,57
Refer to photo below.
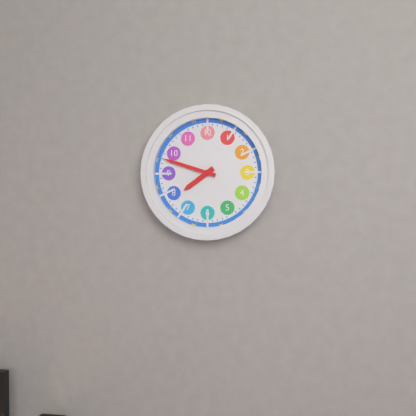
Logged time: 7,48
